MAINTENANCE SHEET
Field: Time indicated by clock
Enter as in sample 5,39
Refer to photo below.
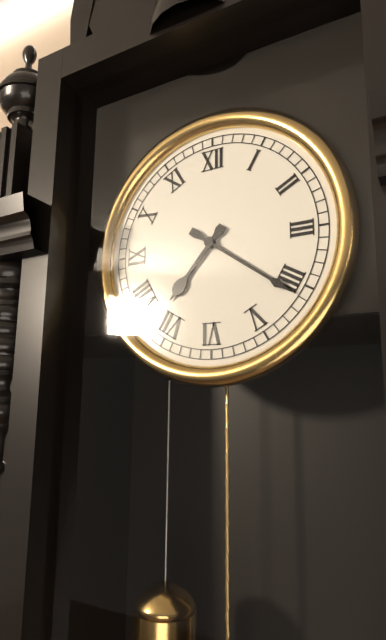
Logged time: 7,21
